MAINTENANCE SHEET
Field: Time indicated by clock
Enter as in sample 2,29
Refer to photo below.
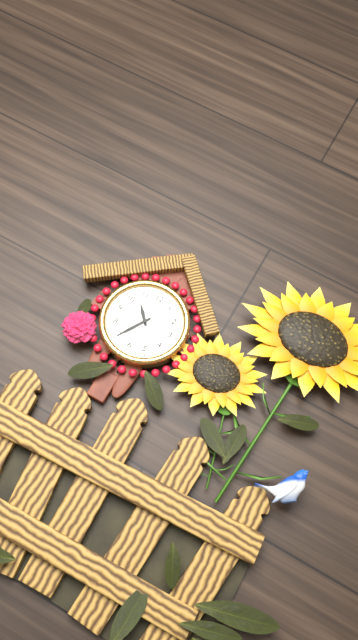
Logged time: 10,35
